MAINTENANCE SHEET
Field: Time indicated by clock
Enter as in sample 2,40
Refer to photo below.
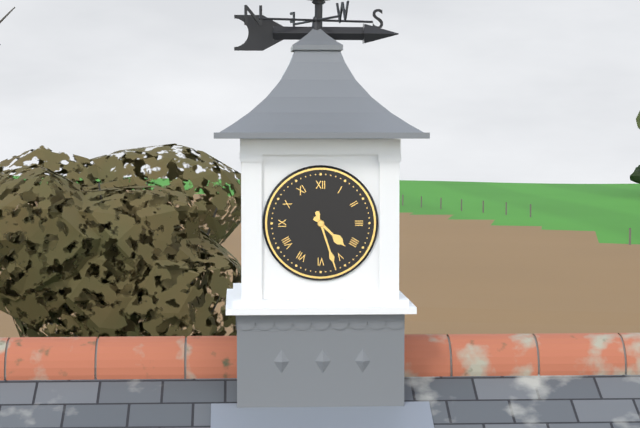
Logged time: 4,27
